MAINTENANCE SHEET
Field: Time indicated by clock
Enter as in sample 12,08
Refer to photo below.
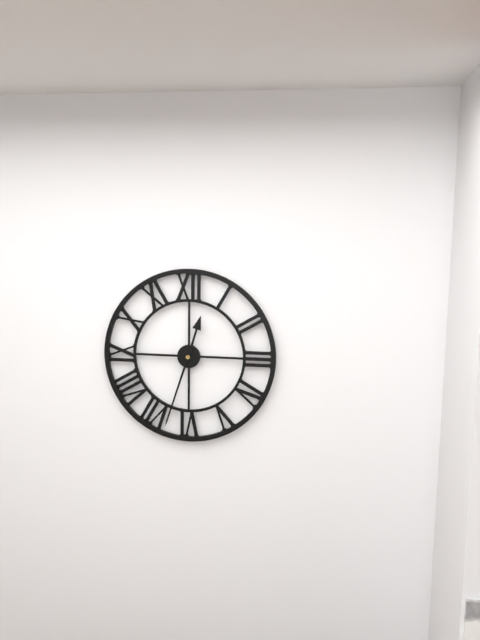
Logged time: 12,33
